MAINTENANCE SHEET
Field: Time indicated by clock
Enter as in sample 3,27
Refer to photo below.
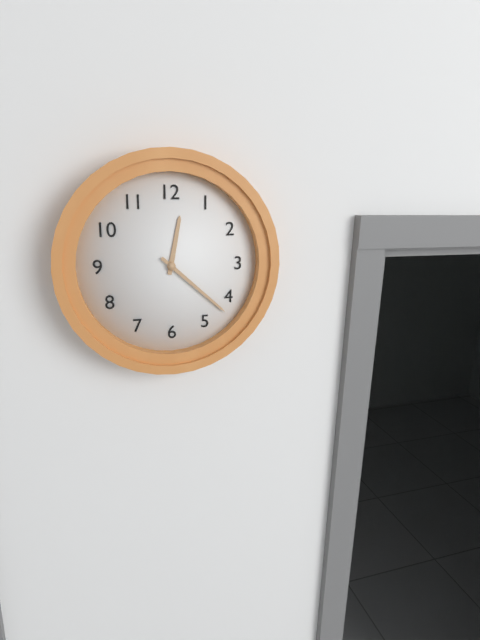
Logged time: 12,22
